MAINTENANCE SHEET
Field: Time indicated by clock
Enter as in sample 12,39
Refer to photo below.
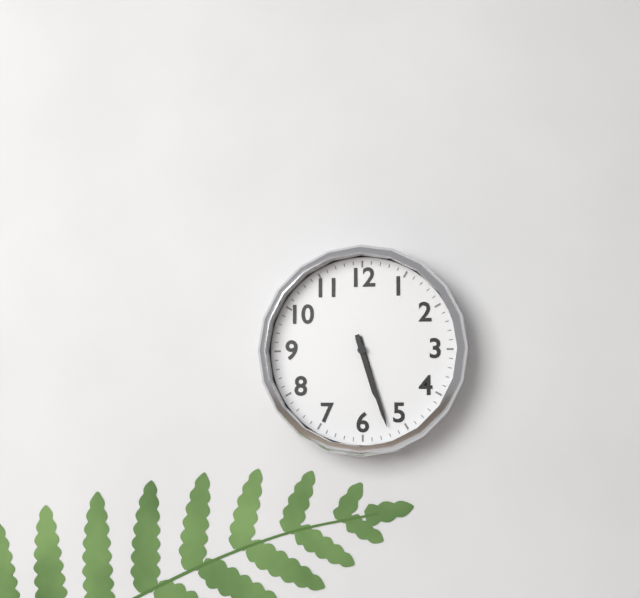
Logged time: 5,27
